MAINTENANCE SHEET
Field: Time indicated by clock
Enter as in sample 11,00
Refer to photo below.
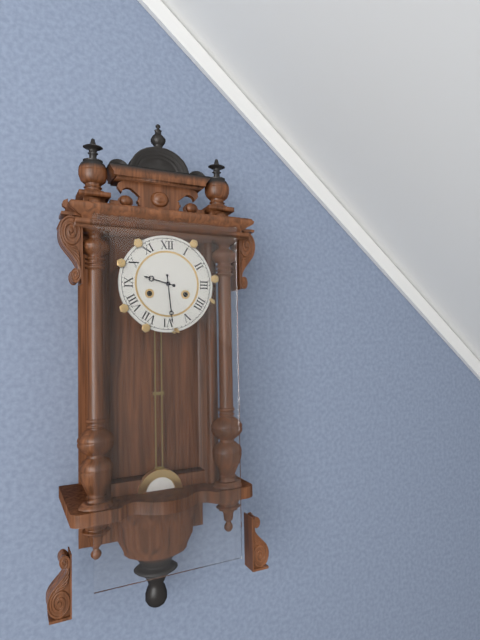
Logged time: 9,29
